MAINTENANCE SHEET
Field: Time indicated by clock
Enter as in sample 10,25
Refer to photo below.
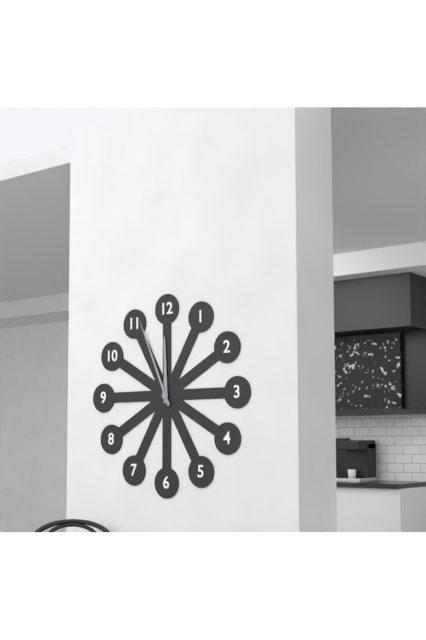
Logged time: 11,56
